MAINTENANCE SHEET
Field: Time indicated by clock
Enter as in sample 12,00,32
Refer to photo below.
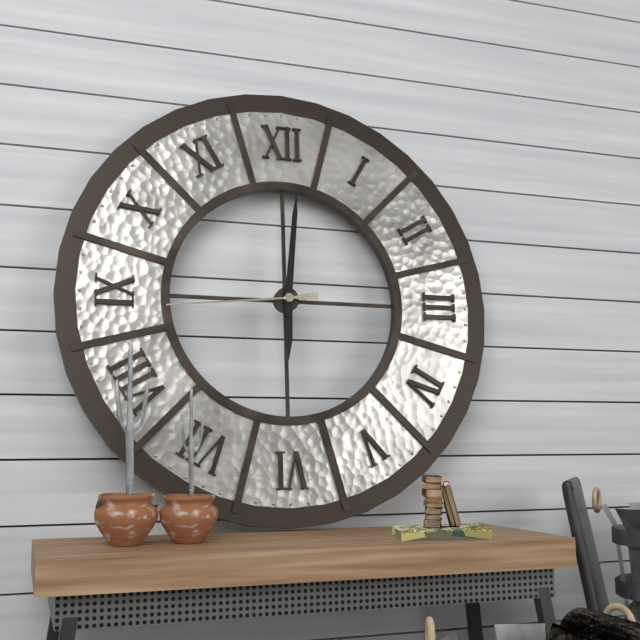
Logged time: 6,01,44
